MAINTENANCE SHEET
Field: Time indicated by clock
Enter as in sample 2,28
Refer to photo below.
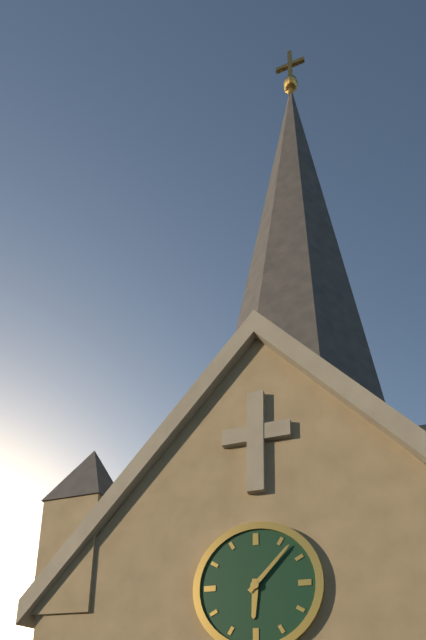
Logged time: 6,07
